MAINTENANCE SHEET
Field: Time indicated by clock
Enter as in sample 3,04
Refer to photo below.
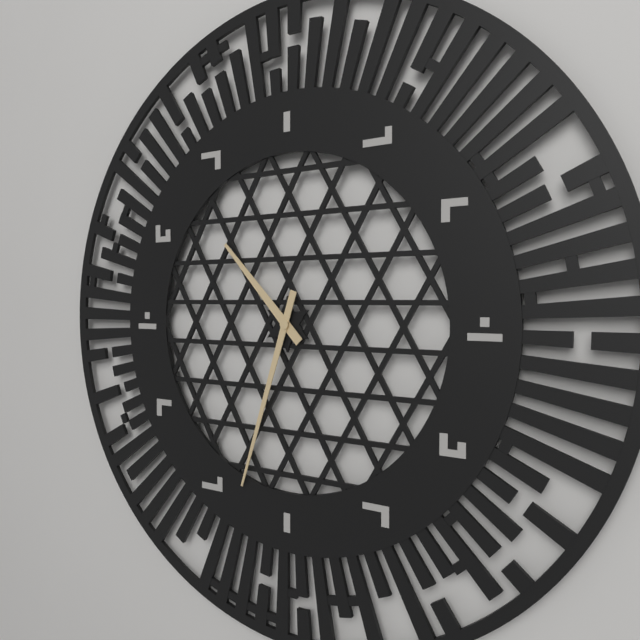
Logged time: 10,33
